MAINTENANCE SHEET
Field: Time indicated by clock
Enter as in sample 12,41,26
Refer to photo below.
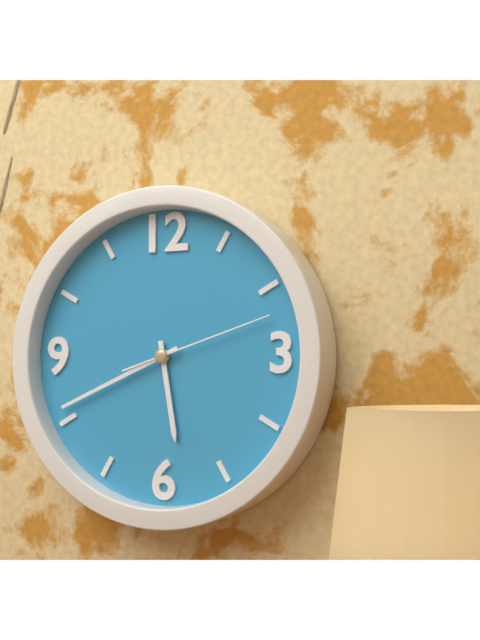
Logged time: 5,41,12
